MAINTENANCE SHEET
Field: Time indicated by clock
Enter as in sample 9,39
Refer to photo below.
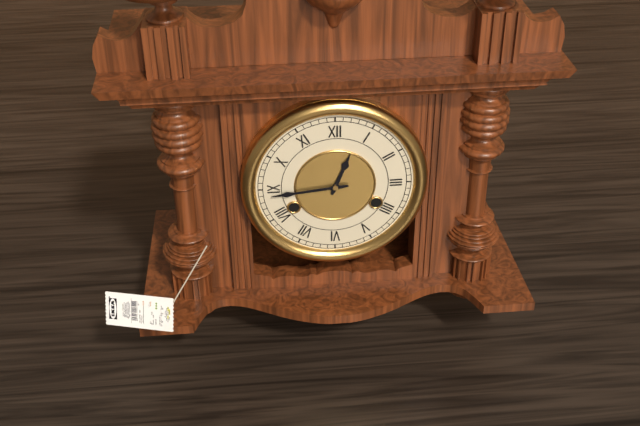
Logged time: 12,44
